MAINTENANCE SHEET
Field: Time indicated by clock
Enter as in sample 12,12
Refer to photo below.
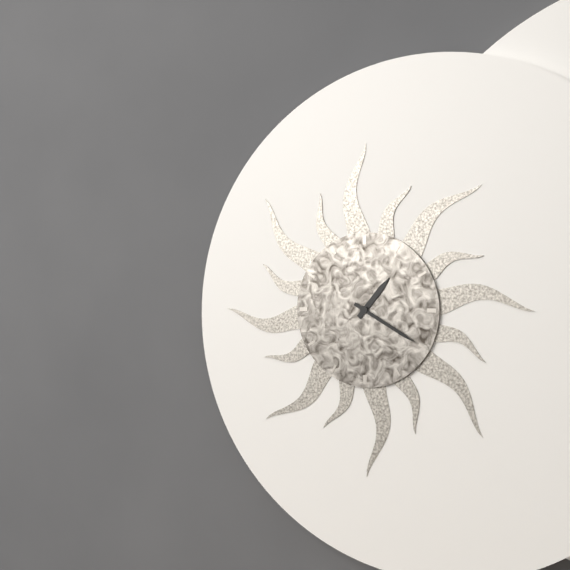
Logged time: 1,20
